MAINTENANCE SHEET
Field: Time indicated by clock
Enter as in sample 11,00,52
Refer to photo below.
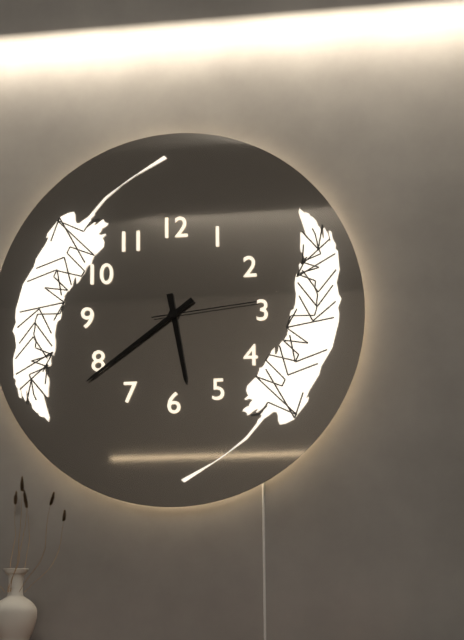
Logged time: 5,39,14
